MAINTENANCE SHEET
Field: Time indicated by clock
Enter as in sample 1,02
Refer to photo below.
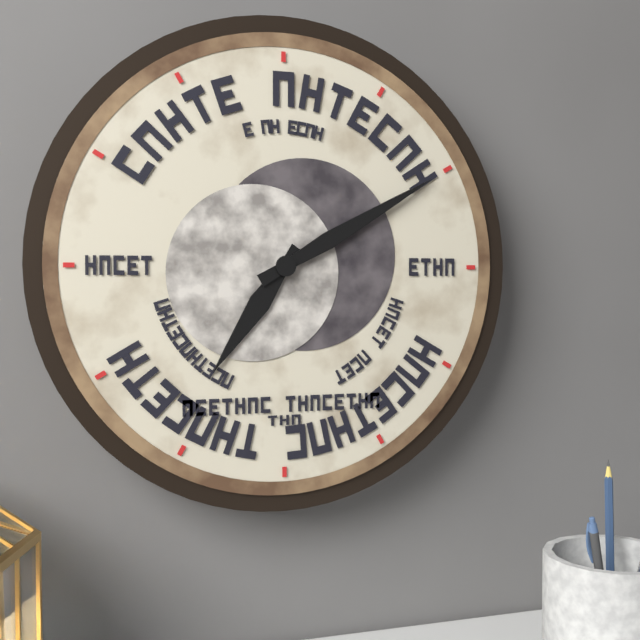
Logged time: 7,10
